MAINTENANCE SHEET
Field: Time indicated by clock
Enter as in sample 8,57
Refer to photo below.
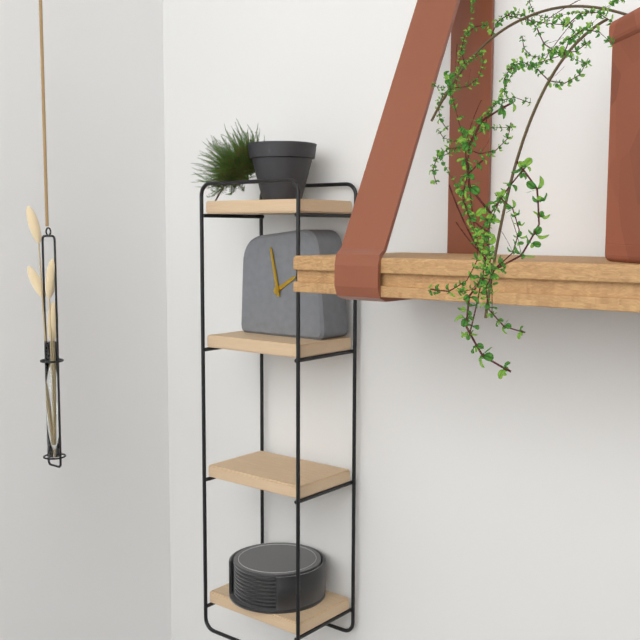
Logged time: 1,58
